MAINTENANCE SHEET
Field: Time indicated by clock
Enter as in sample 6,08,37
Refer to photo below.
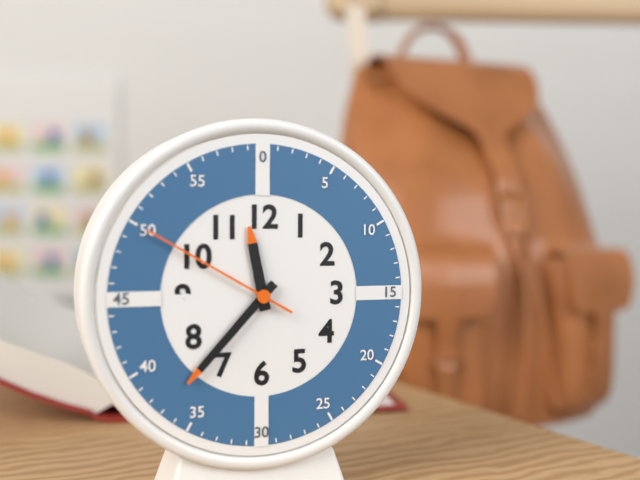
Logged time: 11,37,50
